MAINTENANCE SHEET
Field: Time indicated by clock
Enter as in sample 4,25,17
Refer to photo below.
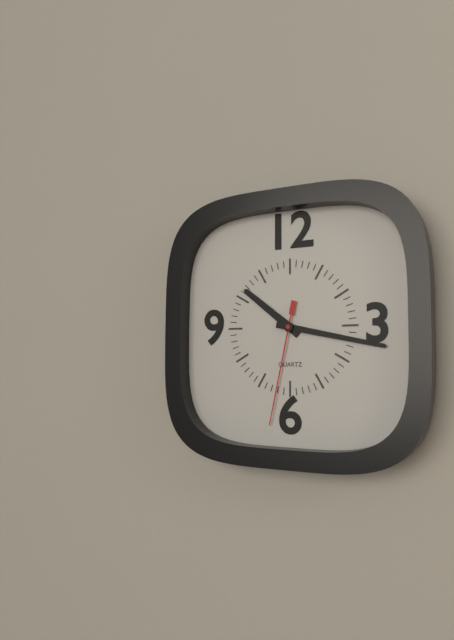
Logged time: 10,17,32
